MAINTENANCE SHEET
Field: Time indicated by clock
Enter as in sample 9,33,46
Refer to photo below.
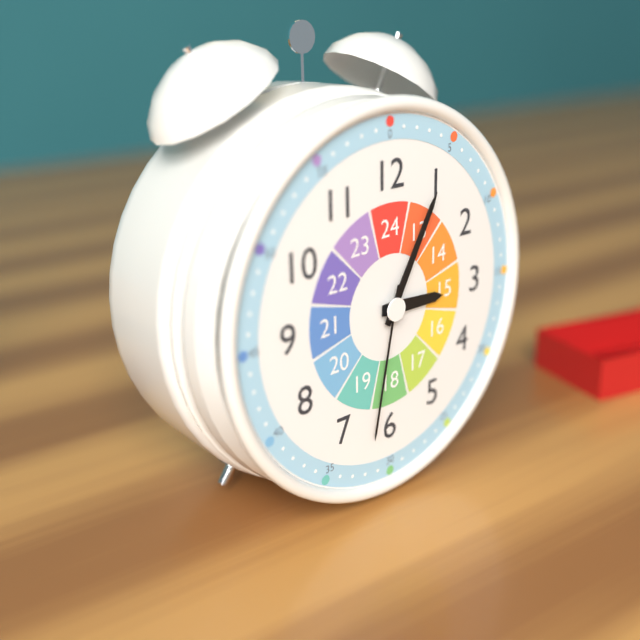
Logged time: 3,05,32
